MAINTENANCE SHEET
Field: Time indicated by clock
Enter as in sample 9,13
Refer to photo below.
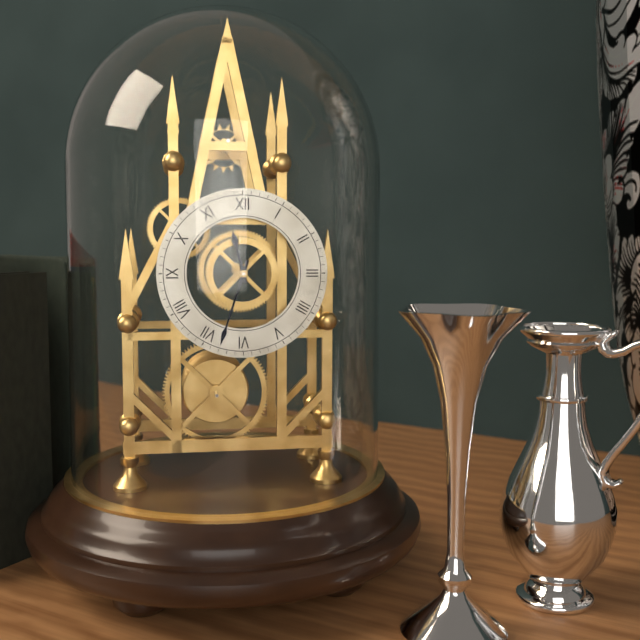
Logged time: 11,33
